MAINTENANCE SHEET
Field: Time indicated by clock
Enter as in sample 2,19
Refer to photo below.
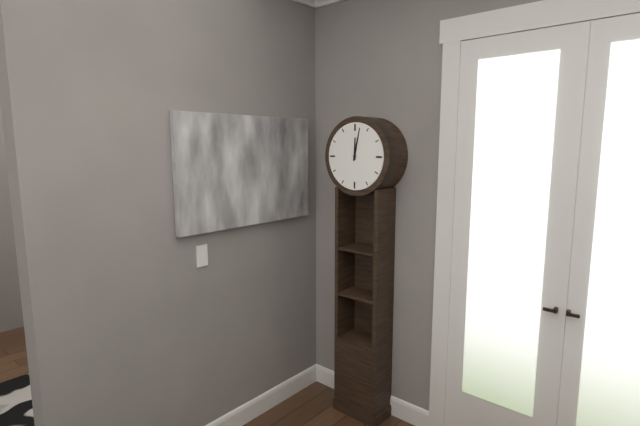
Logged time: 12,02
